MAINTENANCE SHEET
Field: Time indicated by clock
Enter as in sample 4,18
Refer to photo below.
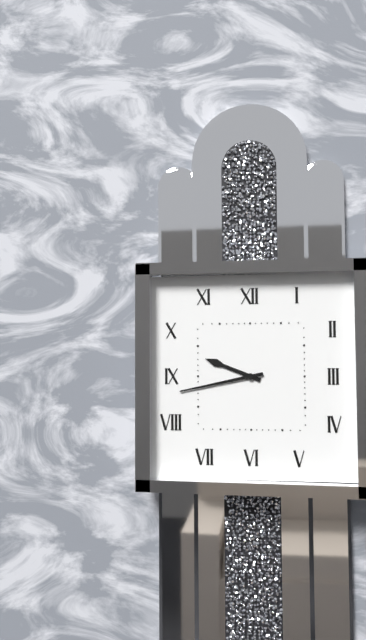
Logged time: 9,43
